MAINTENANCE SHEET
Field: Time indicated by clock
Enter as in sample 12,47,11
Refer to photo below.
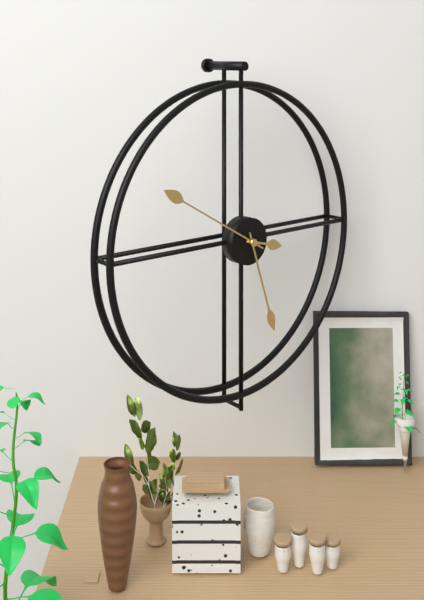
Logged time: 3,27,50
